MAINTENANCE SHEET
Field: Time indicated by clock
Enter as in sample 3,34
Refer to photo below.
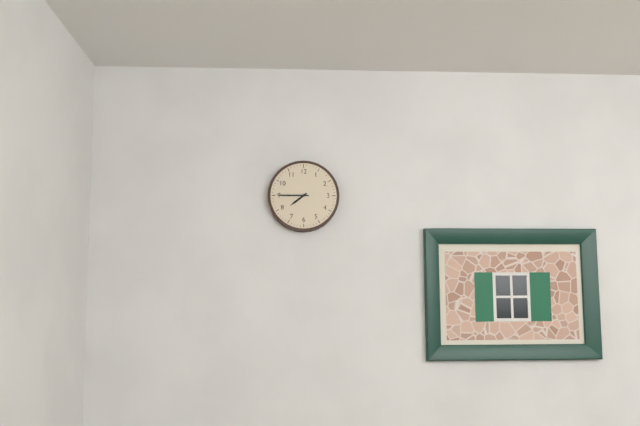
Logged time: 7,45
